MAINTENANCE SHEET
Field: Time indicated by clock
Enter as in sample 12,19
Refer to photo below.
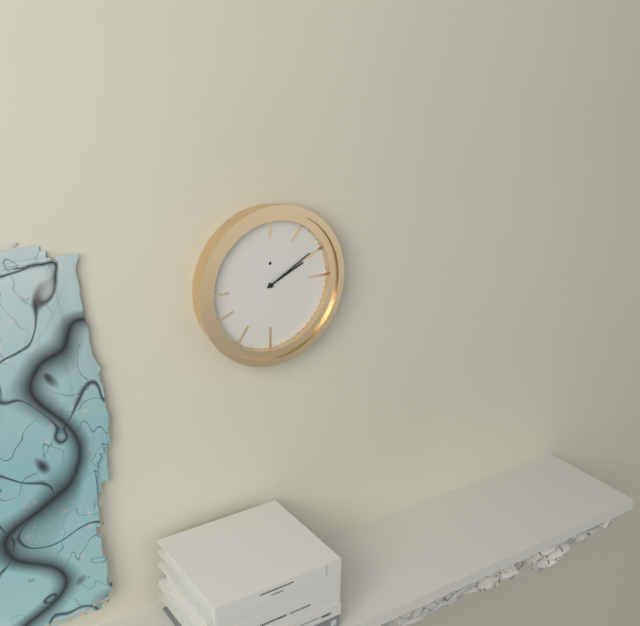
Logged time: 2,10
